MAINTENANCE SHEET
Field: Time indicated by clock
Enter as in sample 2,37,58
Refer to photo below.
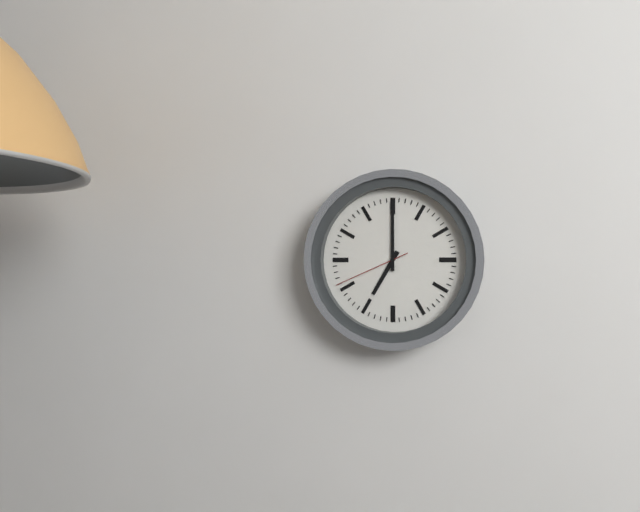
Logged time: 7,00,41
